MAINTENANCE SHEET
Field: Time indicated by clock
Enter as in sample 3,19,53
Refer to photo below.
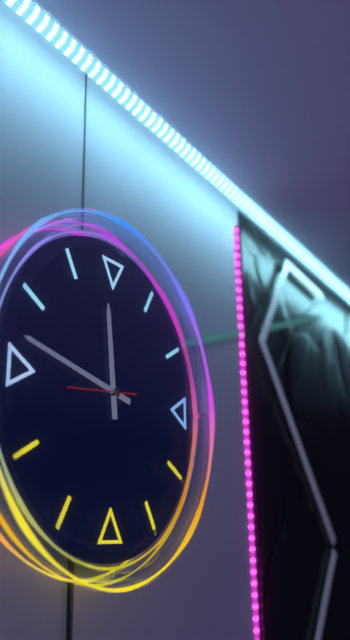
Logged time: 11,47,44
